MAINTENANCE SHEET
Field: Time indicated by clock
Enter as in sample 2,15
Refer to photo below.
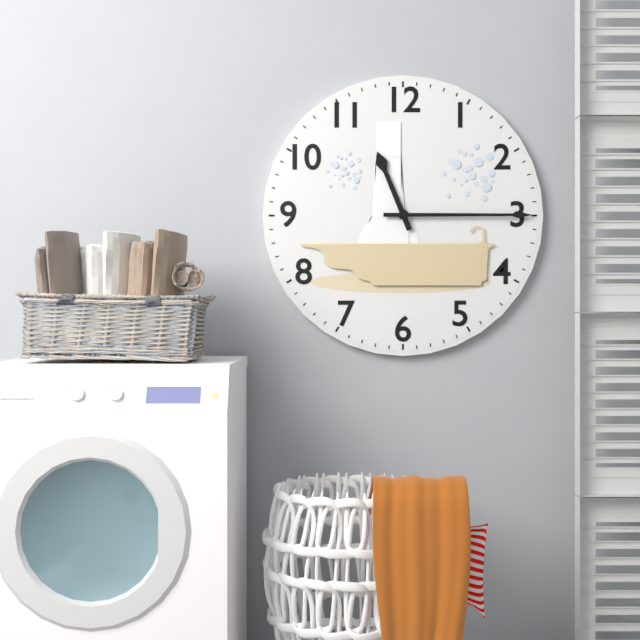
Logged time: 11,15
